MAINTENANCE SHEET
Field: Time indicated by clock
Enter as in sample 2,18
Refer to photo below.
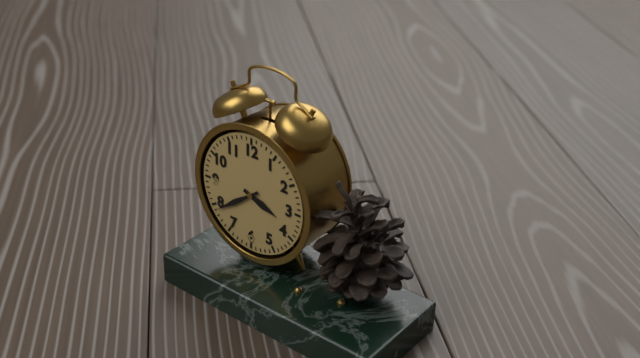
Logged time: 3,39
